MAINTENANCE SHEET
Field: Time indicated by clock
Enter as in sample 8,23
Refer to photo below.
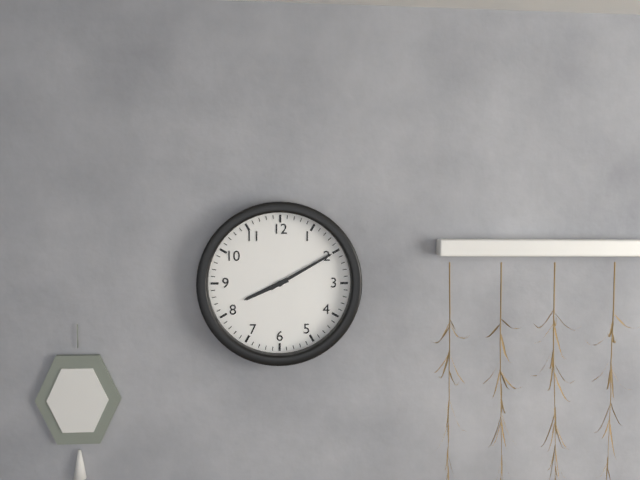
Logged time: 8,10
